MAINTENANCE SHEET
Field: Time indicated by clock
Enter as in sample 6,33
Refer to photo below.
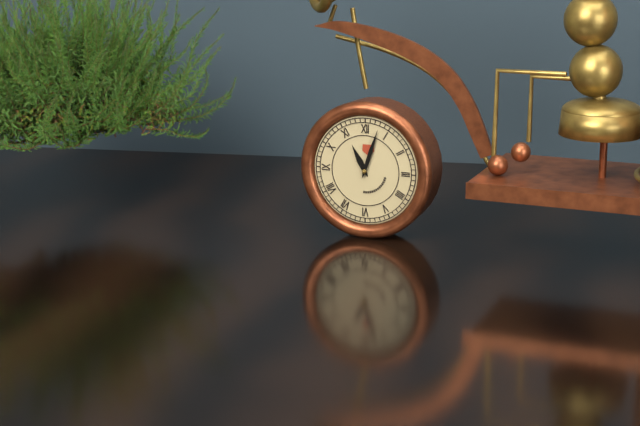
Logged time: 11,03
